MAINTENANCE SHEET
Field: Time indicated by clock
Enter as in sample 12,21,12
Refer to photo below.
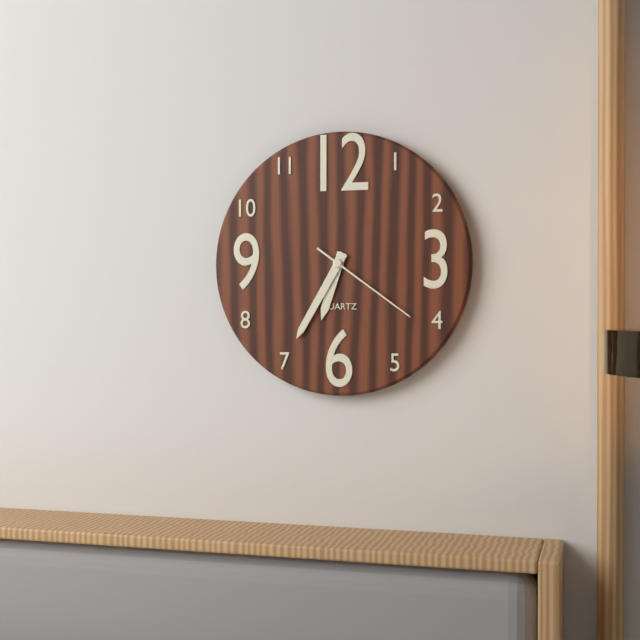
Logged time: 6,35,21
